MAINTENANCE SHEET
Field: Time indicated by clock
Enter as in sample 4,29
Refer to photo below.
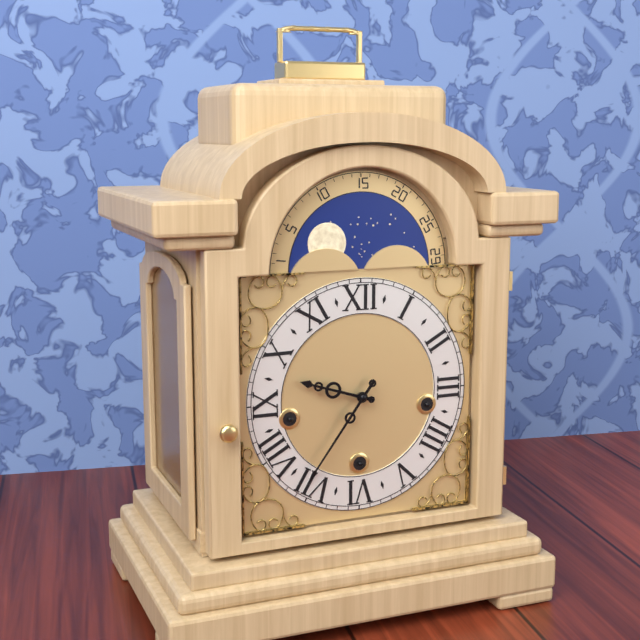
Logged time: 9,36
